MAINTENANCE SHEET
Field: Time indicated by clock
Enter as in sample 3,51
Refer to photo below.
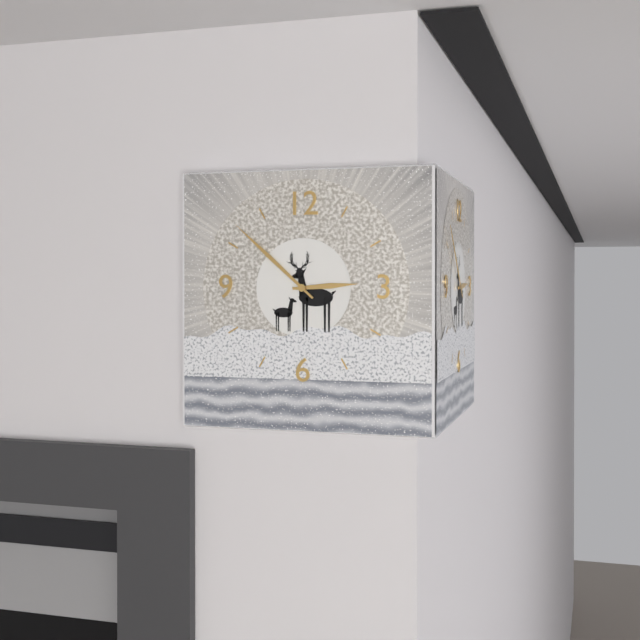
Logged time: 2,52
